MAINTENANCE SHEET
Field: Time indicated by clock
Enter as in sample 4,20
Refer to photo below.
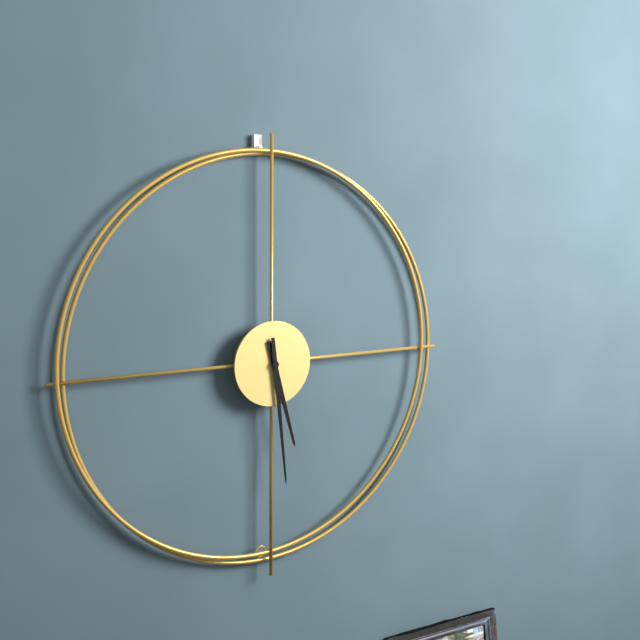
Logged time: 5,29
